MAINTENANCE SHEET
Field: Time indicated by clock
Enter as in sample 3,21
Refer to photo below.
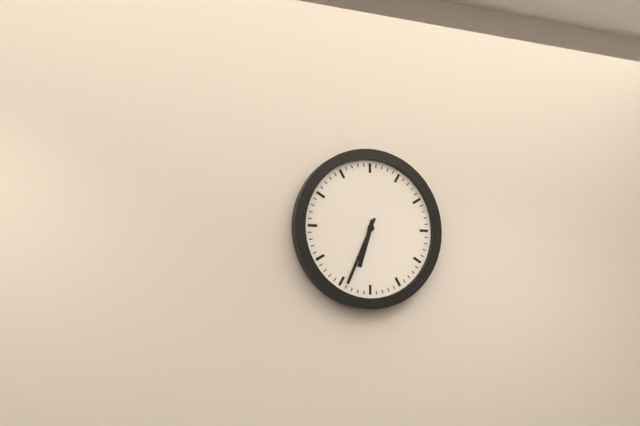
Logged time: 6,34
